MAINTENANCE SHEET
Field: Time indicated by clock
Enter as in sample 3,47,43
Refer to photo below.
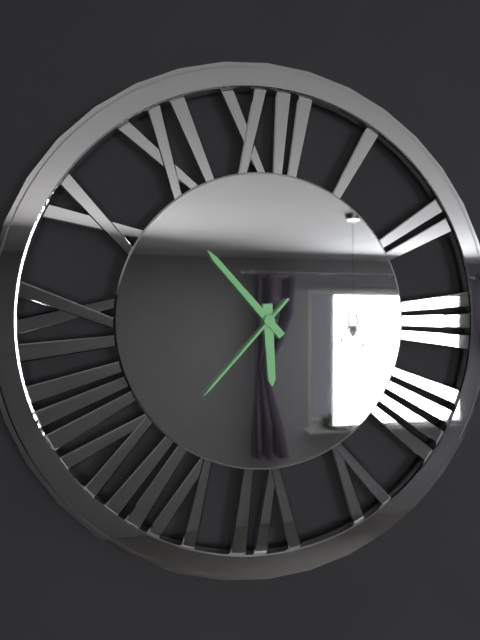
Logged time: 5,53,37
